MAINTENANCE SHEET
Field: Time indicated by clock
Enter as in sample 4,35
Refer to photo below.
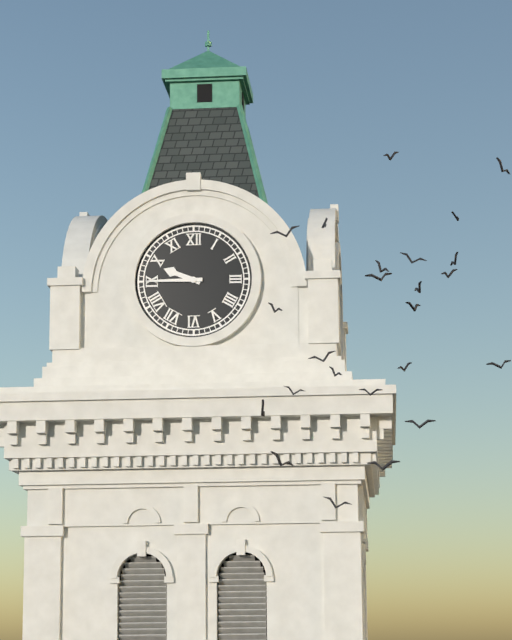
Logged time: 9,45
